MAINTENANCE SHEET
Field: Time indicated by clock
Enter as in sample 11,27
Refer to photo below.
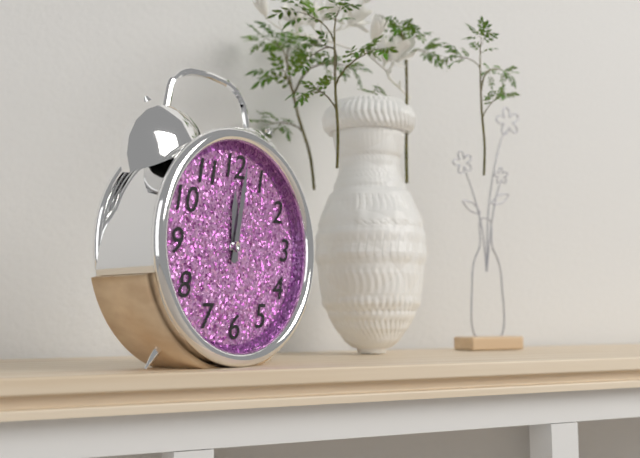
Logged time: 12,02
